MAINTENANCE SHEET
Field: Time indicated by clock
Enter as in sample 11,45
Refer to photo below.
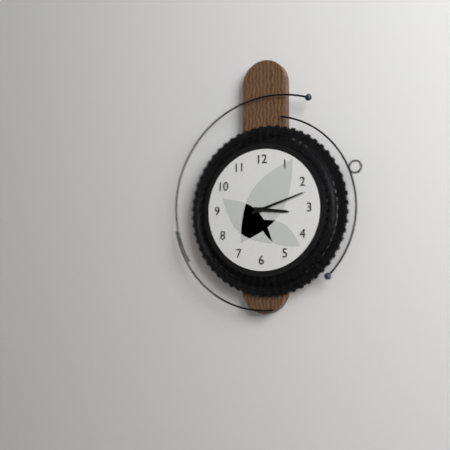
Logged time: 3,12
